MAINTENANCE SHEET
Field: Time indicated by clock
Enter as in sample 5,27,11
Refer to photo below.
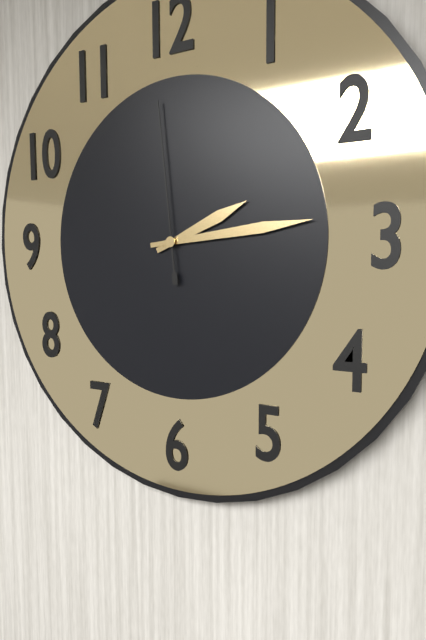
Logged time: 2,14,59
